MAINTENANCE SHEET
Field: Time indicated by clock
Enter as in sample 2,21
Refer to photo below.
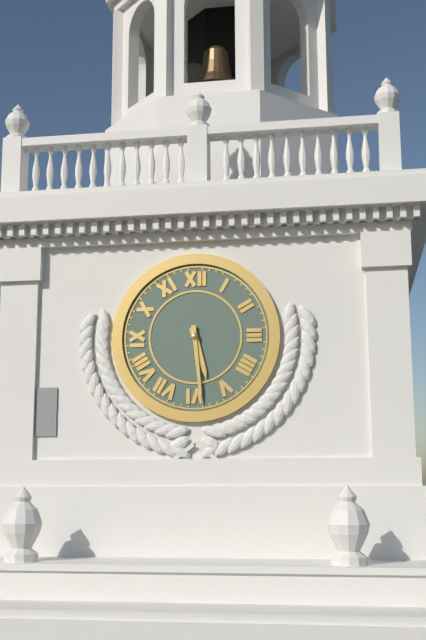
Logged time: 5,29
